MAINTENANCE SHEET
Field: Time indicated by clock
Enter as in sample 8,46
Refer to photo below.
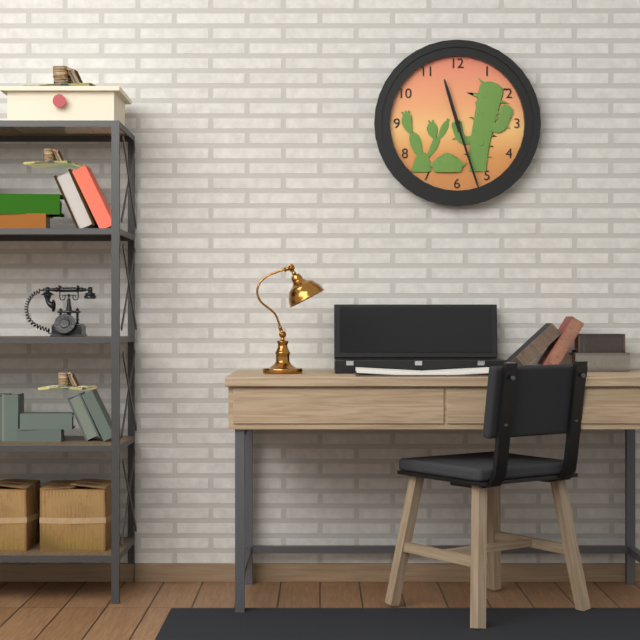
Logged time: 11,27
